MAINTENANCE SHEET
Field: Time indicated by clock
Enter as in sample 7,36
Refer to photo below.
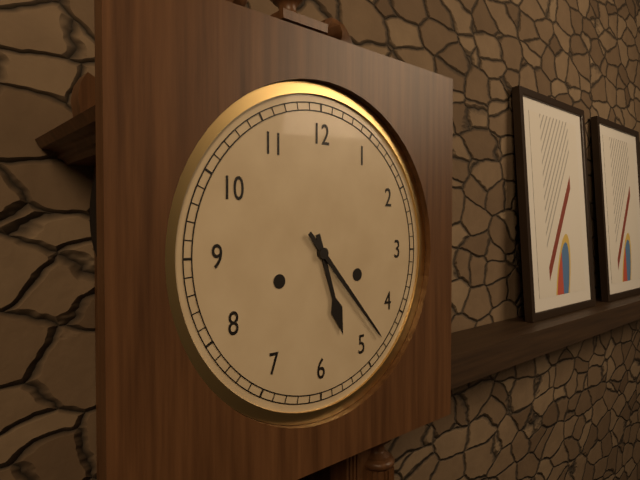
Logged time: 5,23
